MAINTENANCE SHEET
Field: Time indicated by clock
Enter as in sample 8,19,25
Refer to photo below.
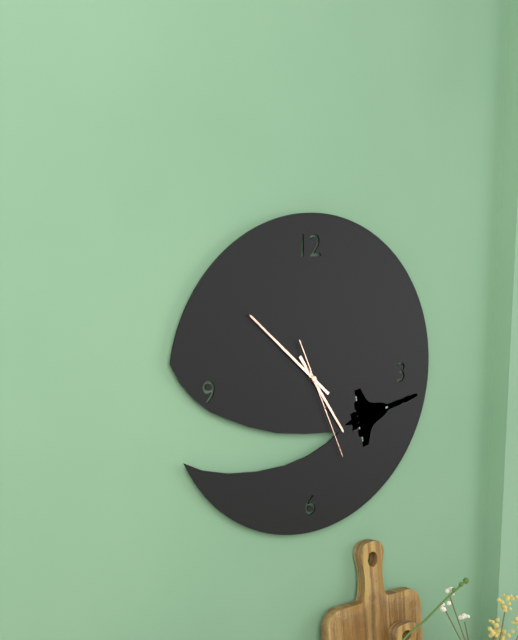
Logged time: 4,52,26
